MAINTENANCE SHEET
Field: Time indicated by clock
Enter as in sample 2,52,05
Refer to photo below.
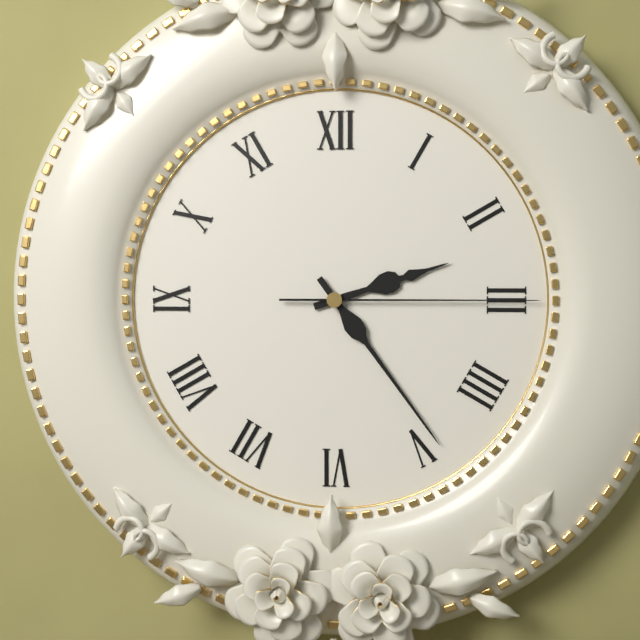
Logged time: 2,24,15
